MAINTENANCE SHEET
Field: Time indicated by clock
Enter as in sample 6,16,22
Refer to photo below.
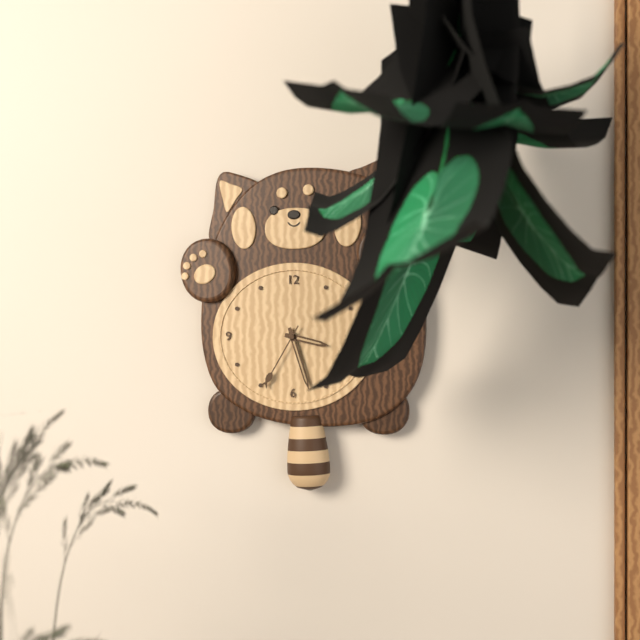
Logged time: 3,27,35
